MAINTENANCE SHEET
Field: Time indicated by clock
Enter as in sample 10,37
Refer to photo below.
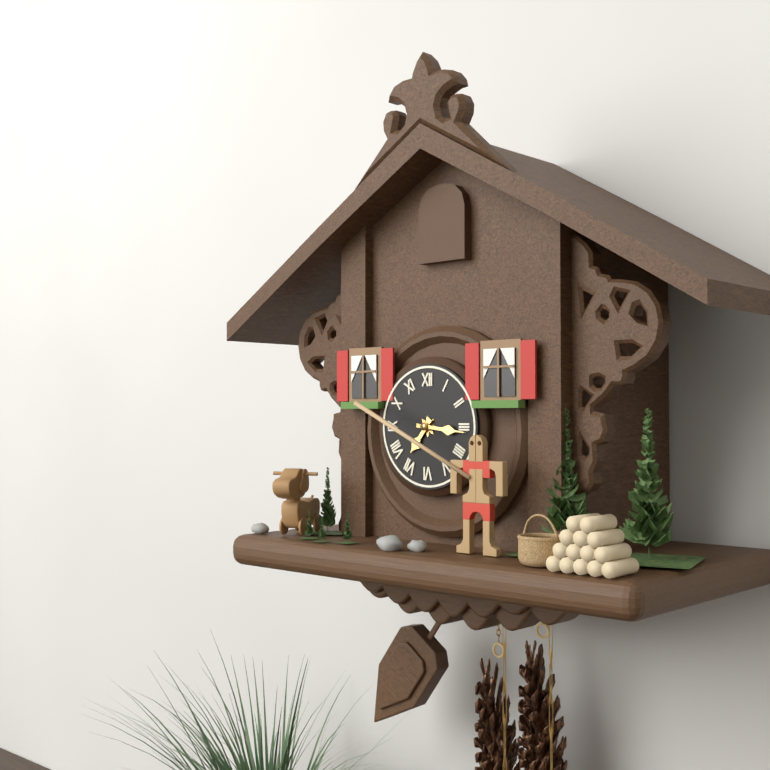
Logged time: 7,16
